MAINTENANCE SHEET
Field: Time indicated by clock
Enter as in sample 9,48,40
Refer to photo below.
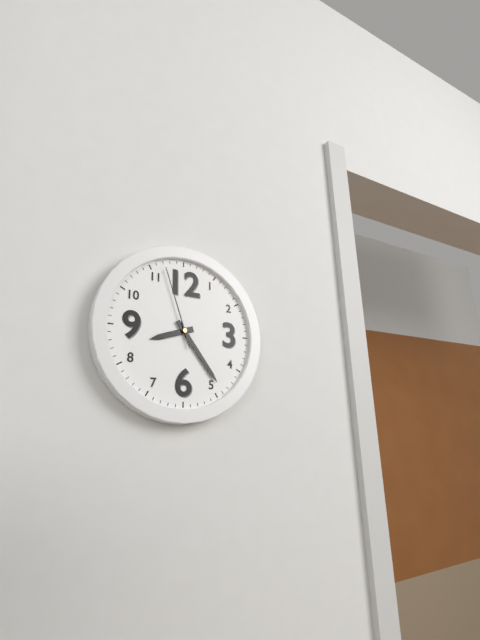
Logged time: 8,24,57
